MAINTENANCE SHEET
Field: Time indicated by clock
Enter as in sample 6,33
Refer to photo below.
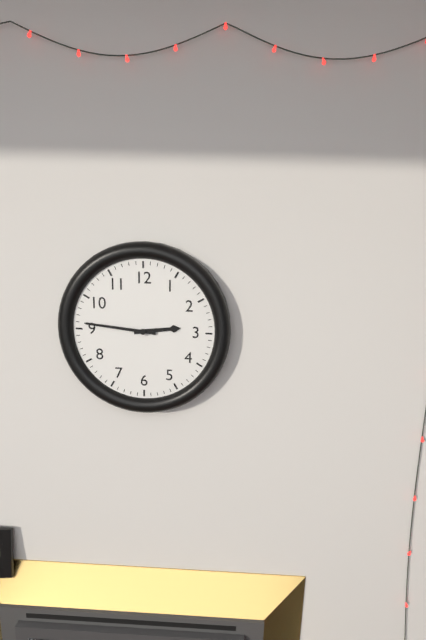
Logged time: 2,46
